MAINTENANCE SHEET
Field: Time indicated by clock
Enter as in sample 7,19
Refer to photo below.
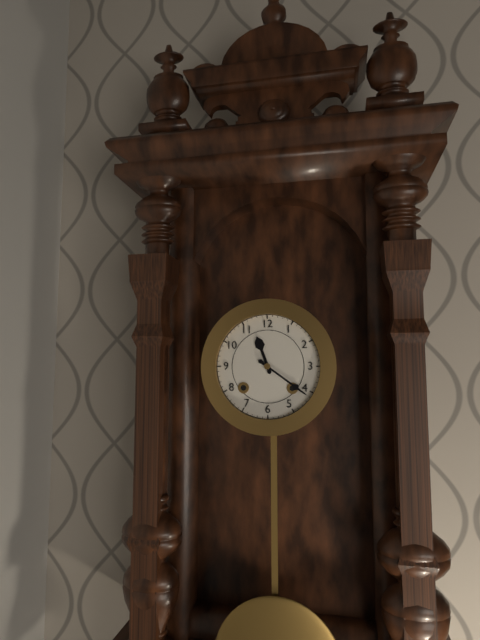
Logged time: 11,21
